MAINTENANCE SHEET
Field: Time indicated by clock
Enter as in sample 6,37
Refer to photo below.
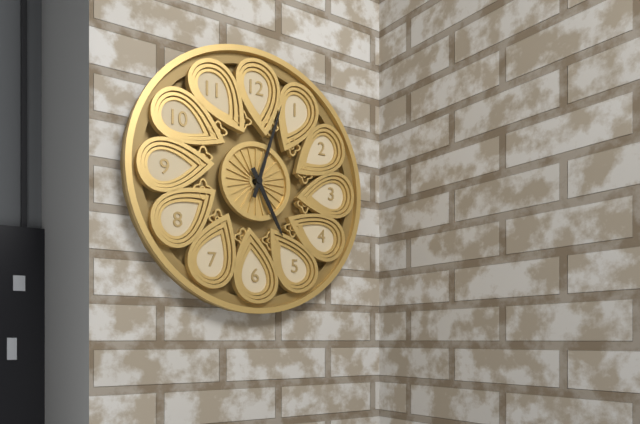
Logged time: 5,03
